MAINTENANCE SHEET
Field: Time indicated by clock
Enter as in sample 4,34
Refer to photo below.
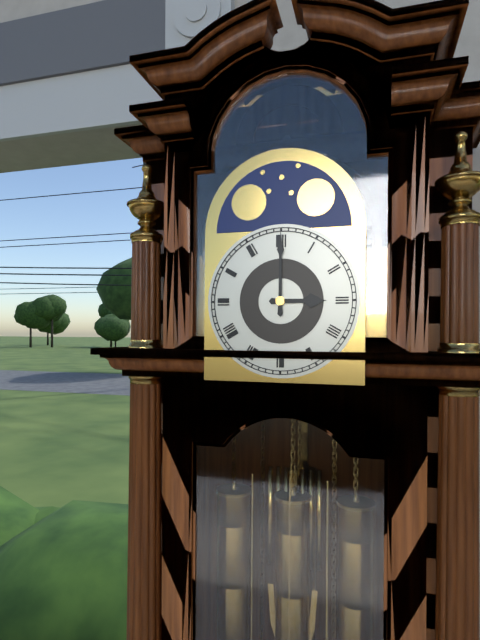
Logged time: 3,00
